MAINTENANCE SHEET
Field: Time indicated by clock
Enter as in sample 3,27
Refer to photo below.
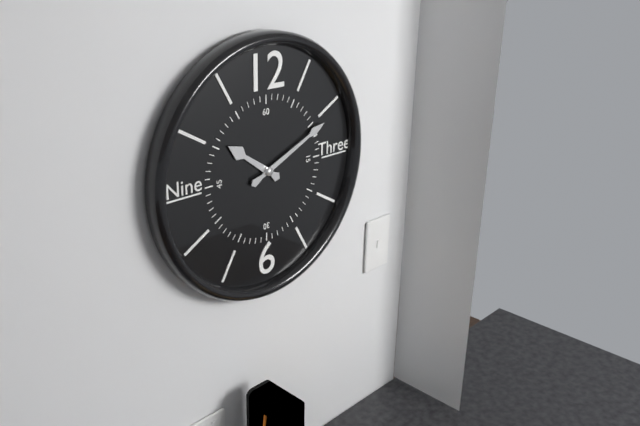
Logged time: 10,11
